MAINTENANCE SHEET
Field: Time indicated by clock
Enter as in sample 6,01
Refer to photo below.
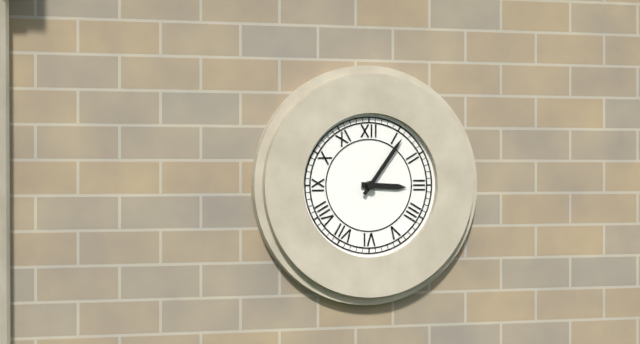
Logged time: 3,06
